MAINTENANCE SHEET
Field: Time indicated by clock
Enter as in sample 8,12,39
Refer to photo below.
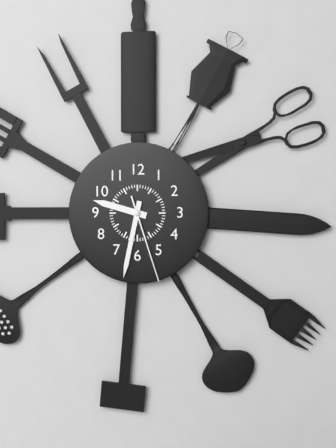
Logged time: 9,32,27
